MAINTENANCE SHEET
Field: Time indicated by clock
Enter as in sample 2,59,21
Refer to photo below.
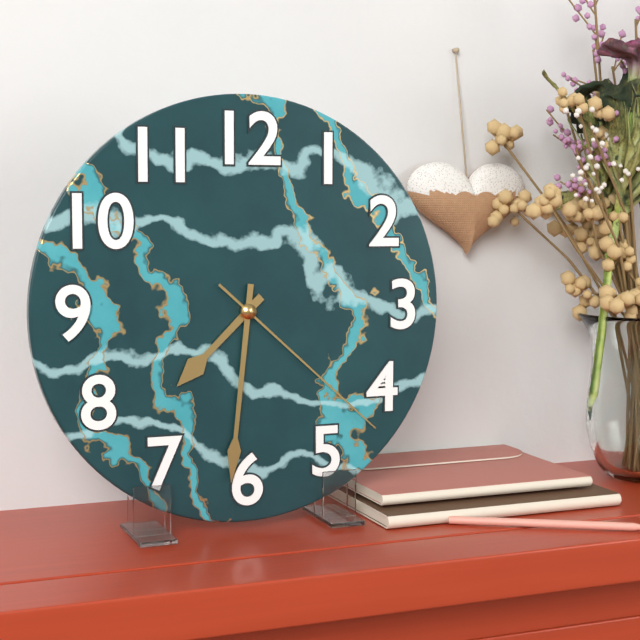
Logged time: 7,31,22
